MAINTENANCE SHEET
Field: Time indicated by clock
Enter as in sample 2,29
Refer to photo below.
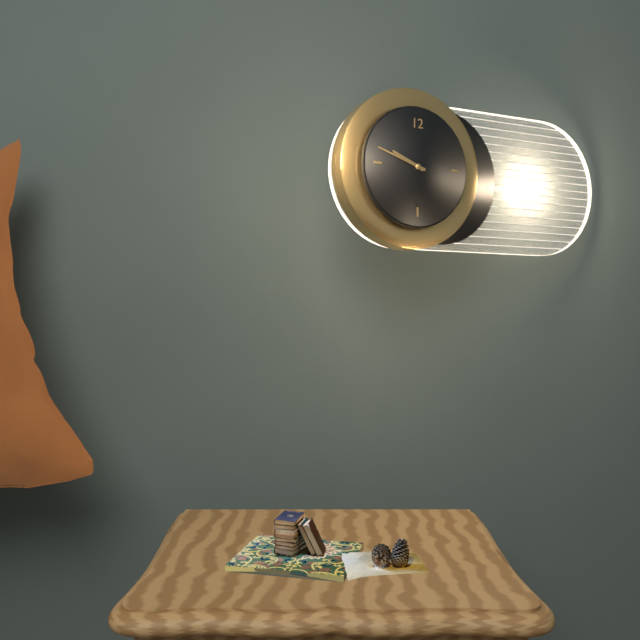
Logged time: 9,48
